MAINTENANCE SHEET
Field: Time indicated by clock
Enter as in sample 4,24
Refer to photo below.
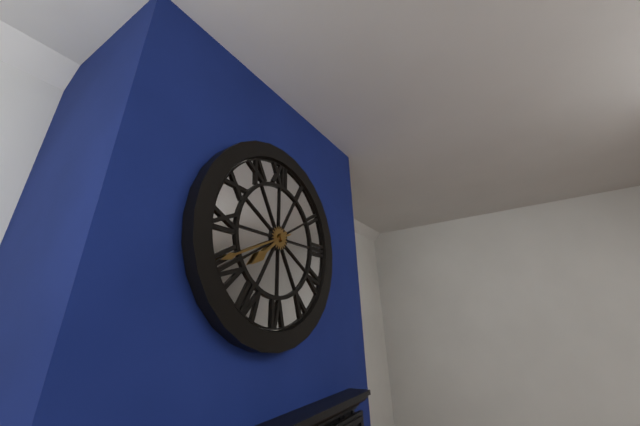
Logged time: 7,41
